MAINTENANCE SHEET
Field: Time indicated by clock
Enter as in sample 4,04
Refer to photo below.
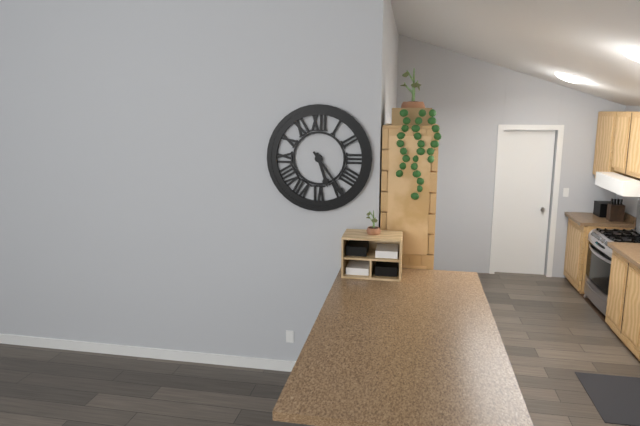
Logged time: 5,24
